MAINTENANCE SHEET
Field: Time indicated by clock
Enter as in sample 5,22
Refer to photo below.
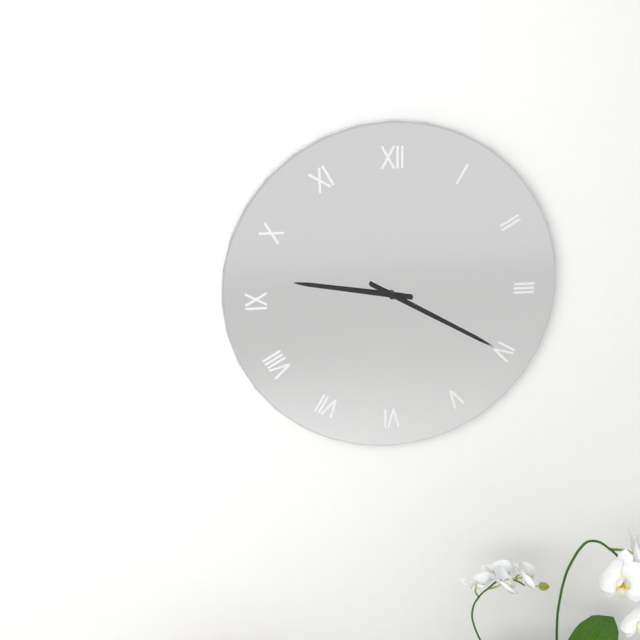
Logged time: 9,20
